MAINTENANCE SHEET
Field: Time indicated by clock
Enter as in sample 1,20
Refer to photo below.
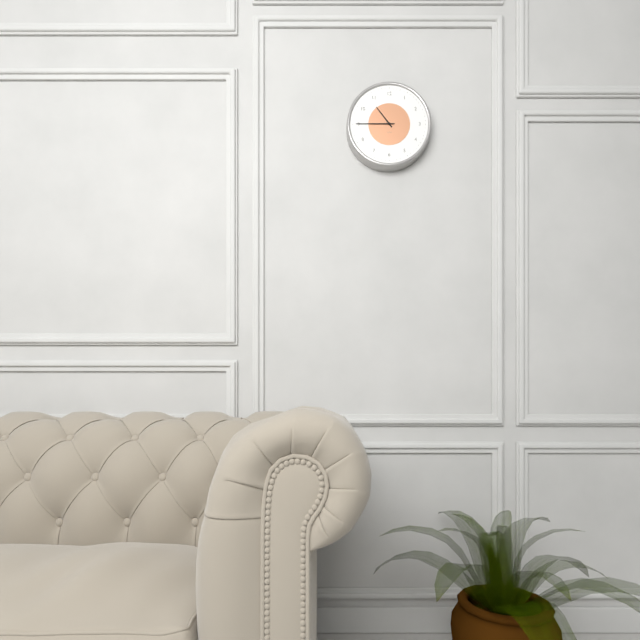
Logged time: 10,45
